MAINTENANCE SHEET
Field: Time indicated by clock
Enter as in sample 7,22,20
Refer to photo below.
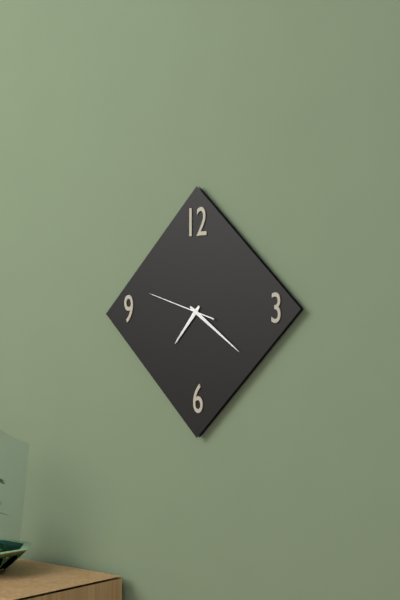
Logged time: 7,21,48
